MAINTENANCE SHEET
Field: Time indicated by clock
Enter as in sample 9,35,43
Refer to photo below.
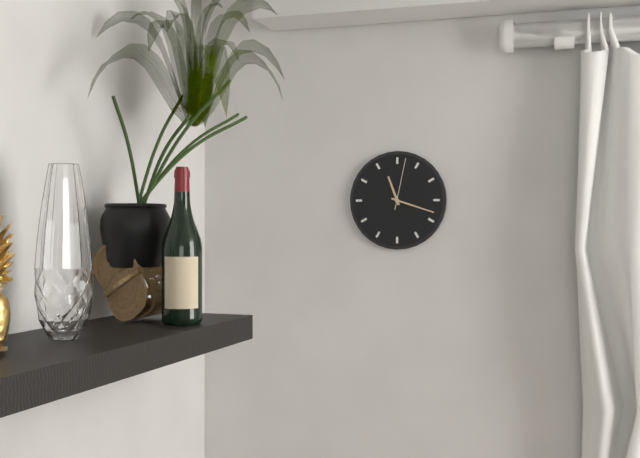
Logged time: 11,18,02
